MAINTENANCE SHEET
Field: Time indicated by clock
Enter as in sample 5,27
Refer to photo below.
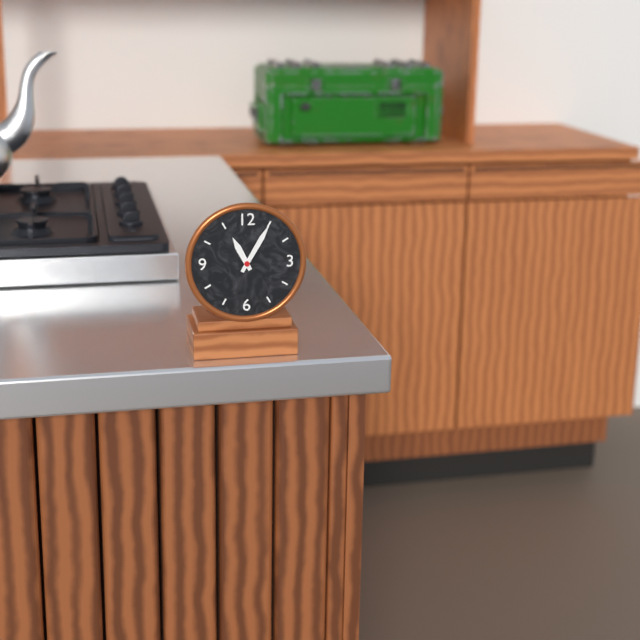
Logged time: 11,05
